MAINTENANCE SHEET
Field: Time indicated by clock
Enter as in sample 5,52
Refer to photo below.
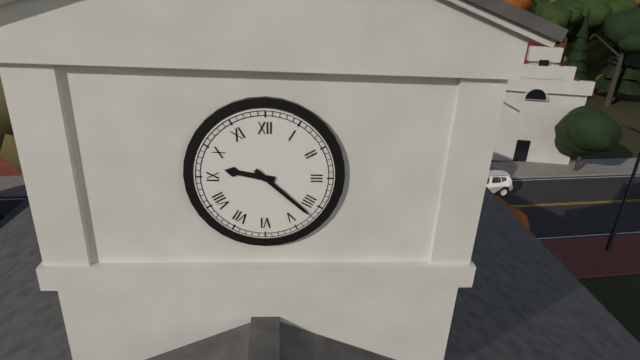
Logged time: 9,22
